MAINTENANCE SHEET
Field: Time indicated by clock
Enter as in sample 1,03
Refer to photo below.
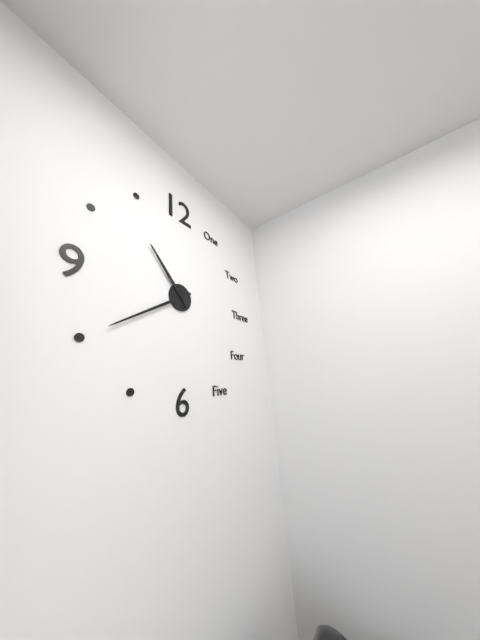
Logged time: 10,40
